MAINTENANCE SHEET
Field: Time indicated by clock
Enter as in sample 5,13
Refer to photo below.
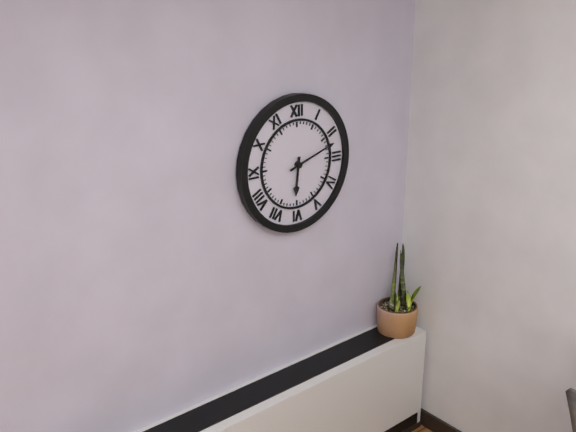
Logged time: 6,12
